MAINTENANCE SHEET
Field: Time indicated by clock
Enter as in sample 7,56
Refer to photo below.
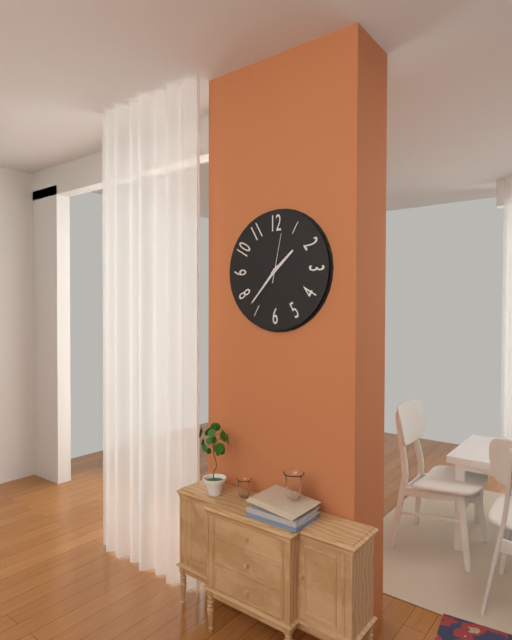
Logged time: 1,37
